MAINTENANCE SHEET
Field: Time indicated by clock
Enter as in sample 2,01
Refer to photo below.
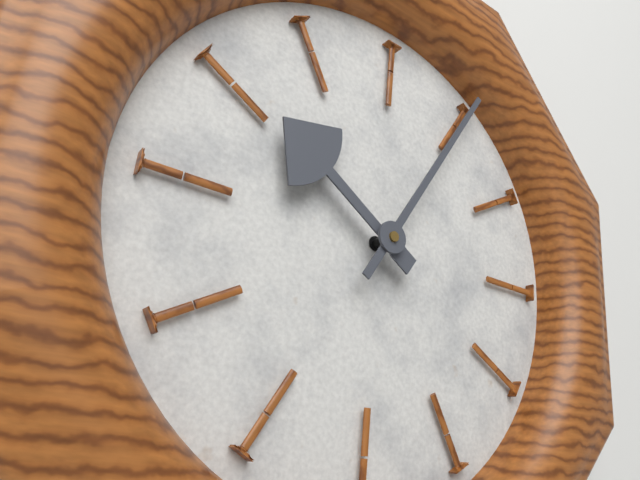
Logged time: 10,05
